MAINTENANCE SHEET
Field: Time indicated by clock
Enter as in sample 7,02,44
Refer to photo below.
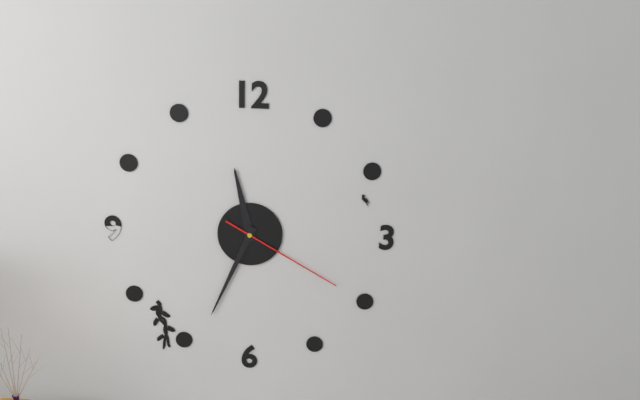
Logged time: 11,34,20
